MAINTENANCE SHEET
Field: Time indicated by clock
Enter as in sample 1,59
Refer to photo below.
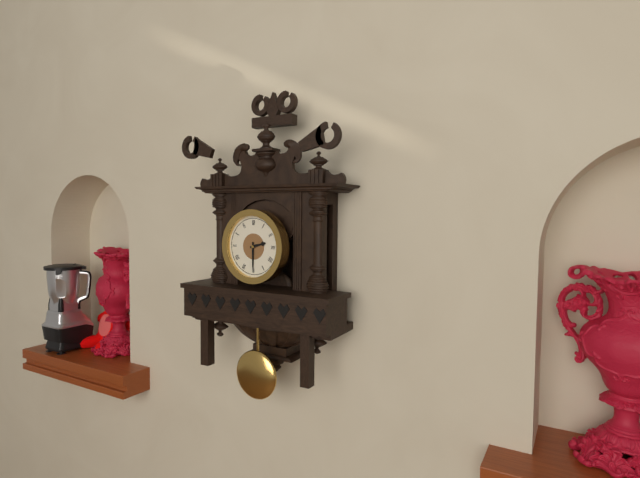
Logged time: 2,30
